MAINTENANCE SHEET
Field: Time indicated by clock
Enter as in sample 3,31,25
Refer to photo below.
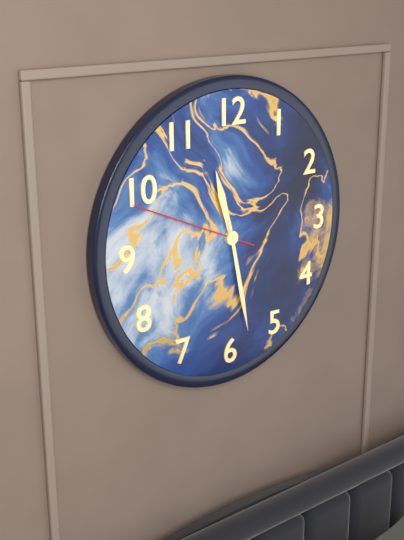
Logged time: 11,28,49
